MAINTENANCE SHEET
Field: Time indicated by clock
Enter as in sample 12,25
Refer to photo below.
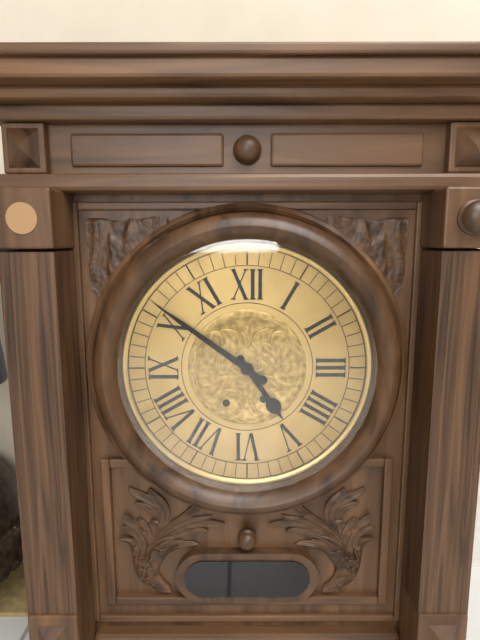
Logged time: 4,51
